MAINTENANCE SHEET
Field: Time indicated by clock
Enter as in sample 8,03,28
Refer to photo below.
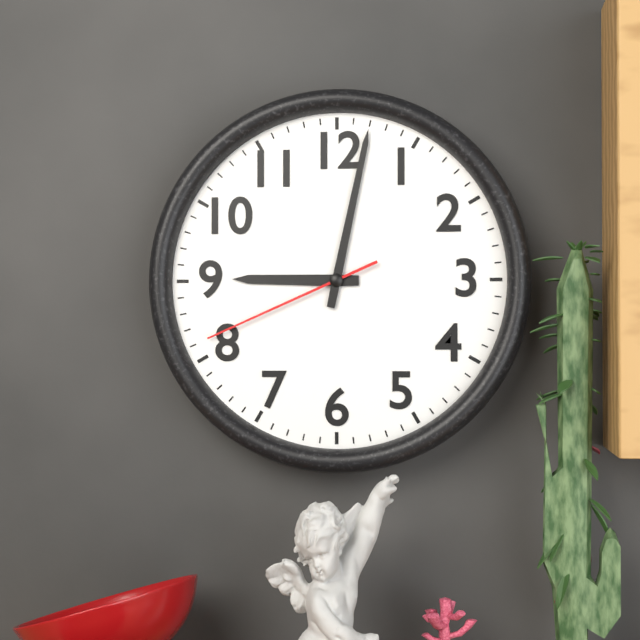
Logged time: 9,02,41
